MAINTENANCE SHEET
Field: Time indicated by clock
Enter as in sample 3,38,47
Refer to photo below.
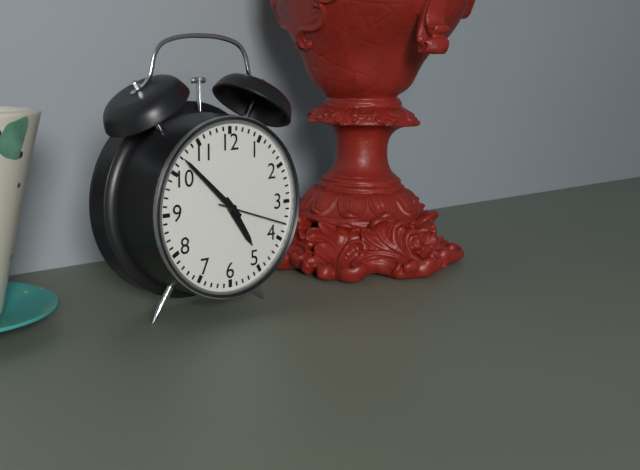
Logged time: 4,52,18
